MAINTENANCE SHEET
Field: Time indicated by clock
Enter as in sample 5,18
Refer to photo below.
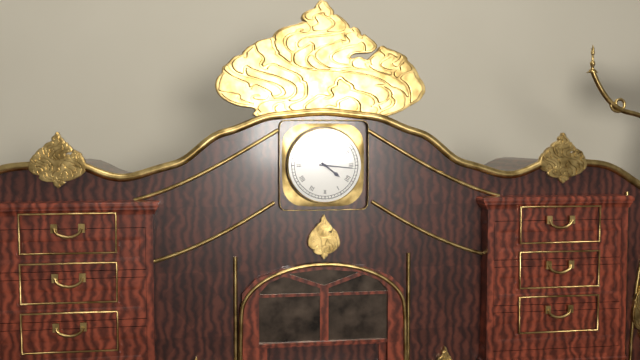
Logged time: 4,16
